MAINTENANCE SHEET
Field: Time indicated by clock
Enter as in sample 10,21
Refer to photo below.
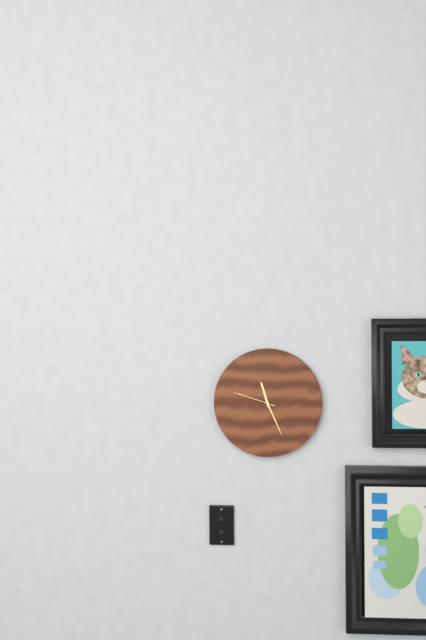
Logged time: 11,26
